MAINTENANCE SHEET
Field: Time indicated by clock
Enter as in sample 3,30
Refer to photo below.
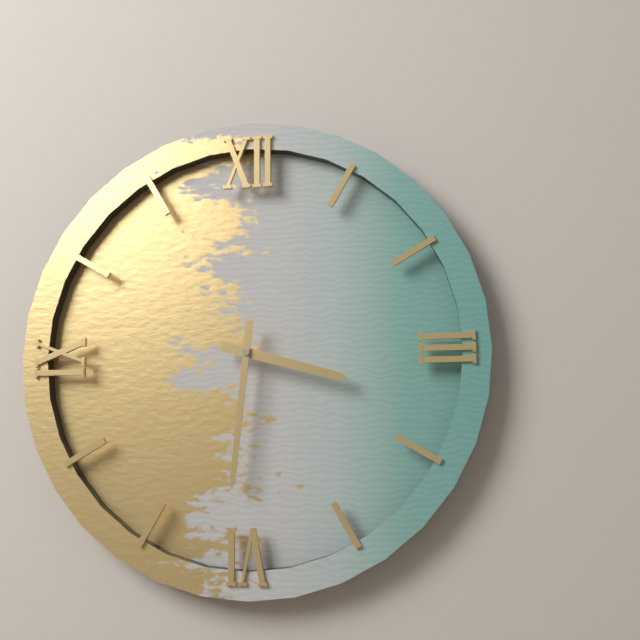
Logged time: 3,31
